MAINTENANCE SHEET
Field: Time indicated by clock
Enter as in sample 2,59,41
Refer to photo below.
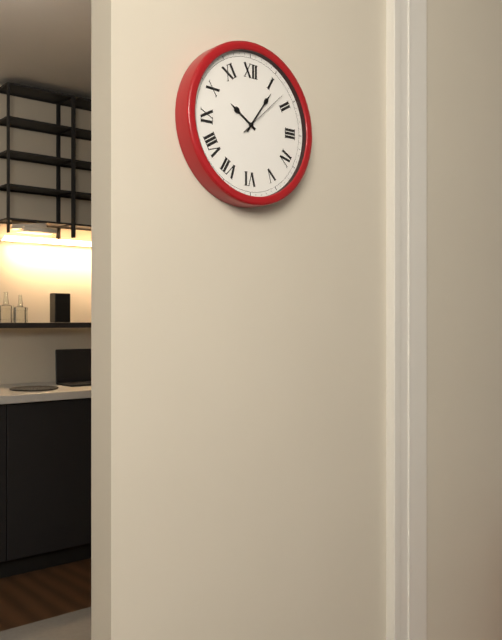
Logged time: 10,06,08
